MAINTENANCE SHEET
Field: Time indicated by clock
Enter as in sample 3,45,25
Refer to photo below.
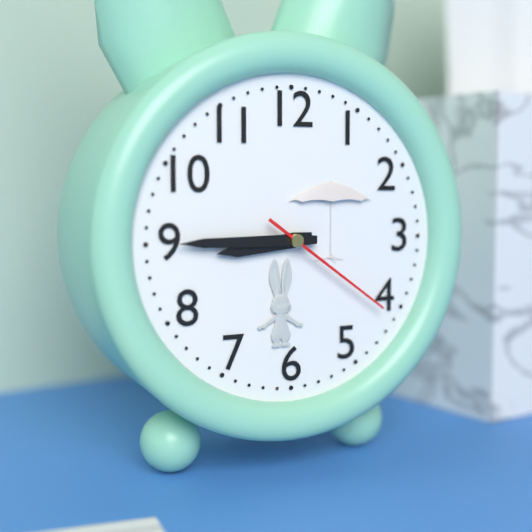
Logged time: 8,45,21
